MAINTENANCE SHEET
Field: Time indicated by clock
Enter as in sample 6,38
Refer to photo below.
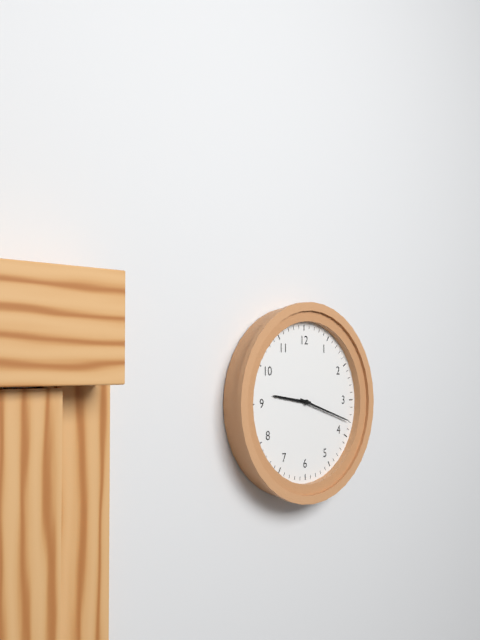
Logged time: 9,18
